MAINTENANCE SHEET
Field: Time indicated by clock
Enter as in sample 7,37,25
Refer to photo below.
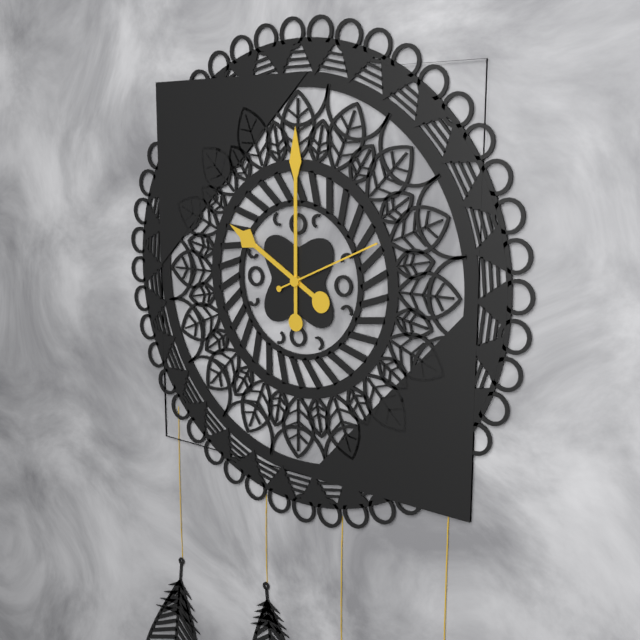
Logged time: 10,00,11
